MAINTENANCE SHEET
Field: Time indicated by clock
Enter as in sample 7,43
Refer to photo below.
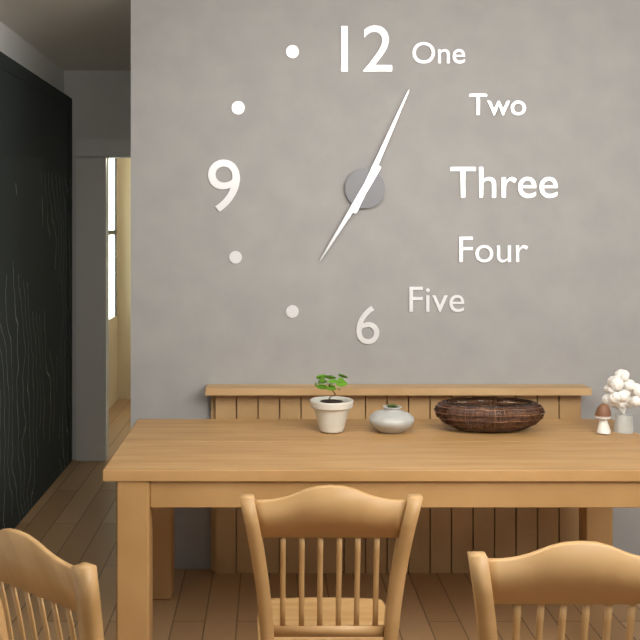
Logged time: 7,04
